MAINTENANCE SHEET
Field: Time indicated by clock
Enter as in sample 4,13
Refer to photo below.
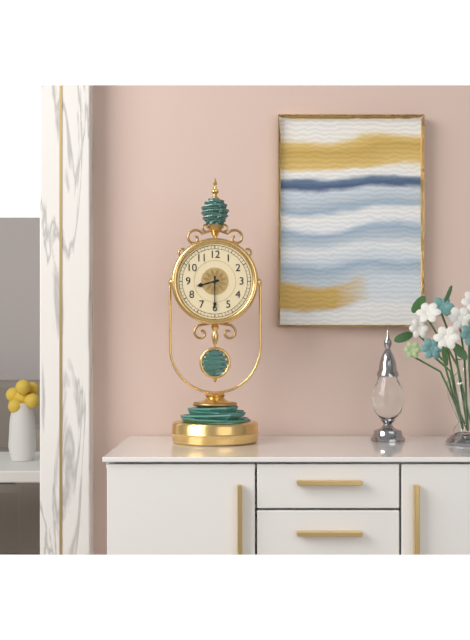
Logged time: 8,30
